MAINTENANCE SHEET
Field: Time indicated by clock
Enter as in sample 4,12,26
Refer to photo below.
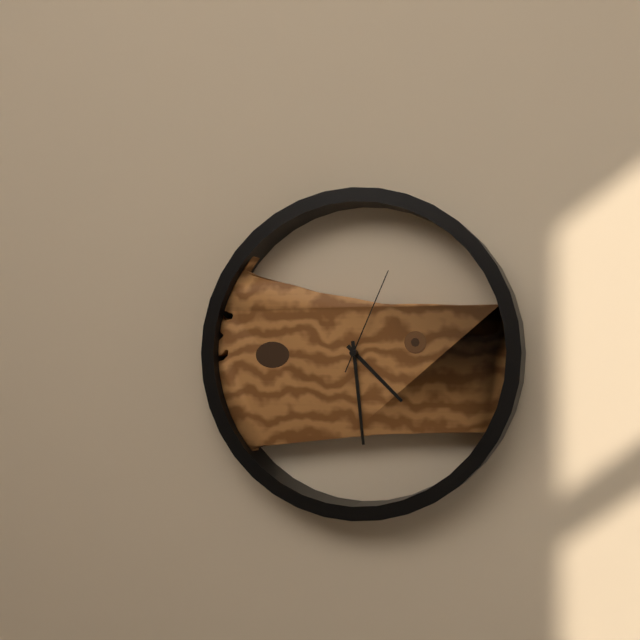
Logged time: 4,29,04
